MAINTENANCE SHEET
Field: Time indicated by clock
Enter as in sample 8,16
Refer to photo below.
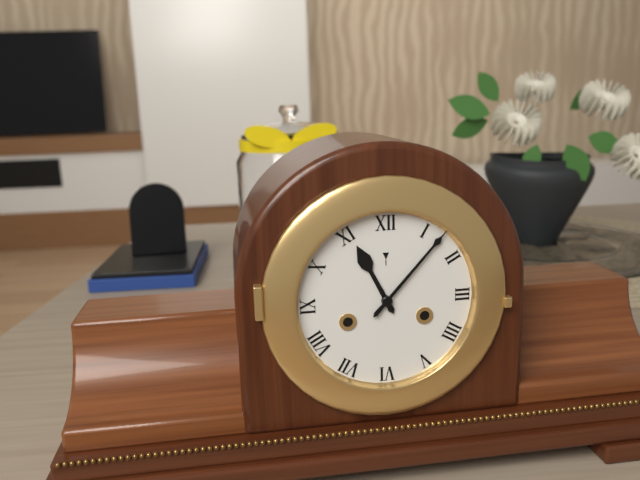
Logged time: 11,07
